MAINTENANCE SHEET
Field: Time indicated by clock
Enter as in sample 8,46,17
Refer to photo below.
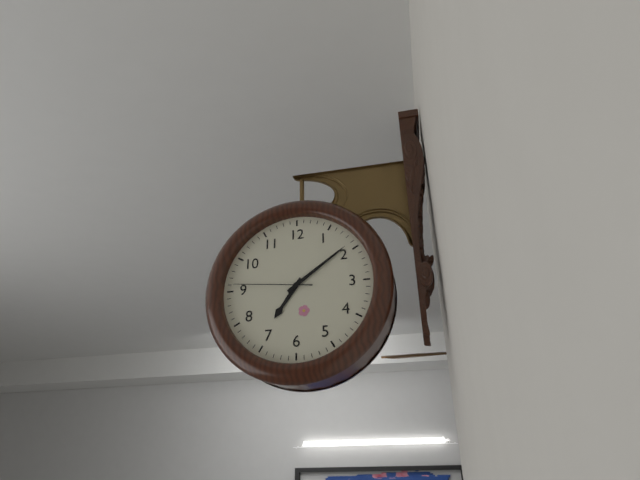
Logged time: 7,09,46
